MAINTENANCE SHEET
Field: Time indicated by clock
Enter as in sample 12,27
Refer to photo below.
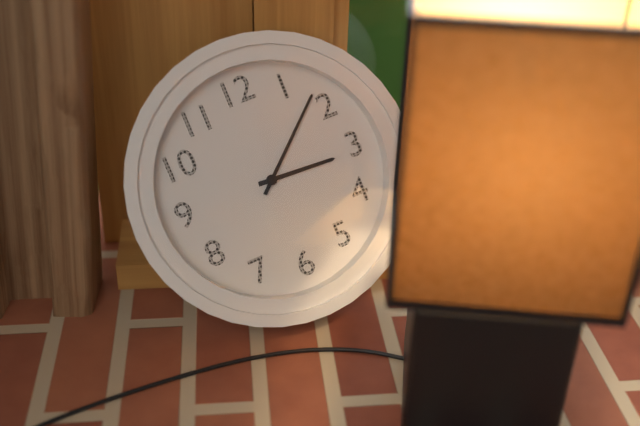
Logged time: 3,08
